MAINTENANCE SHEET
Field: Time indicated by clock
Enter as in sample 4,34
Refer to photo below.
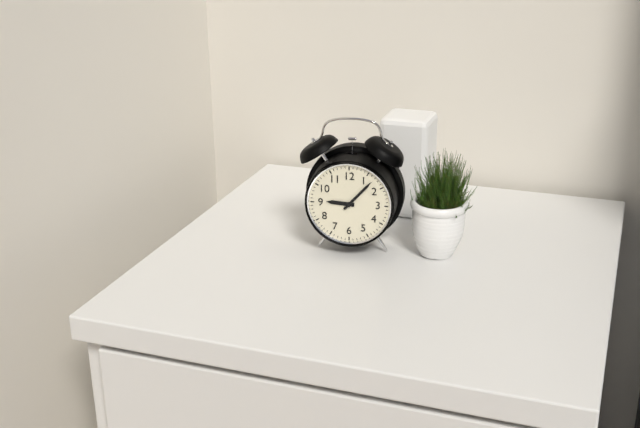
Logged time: 9,07
